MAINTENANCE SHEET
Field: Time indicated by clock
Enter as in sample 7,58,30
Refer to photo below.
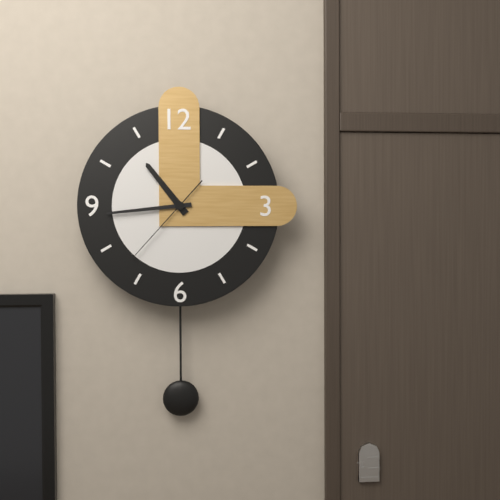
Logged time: 10,44,37
